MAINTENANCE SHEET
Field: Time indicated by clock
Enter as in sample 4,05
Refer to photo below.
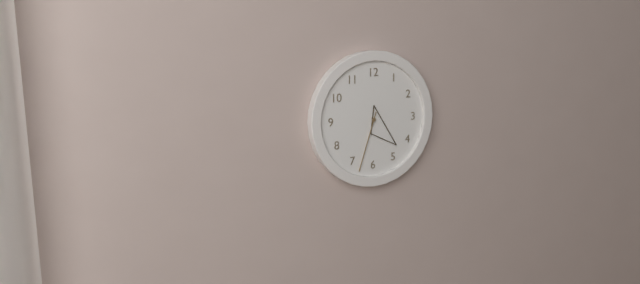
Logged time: 4,33
